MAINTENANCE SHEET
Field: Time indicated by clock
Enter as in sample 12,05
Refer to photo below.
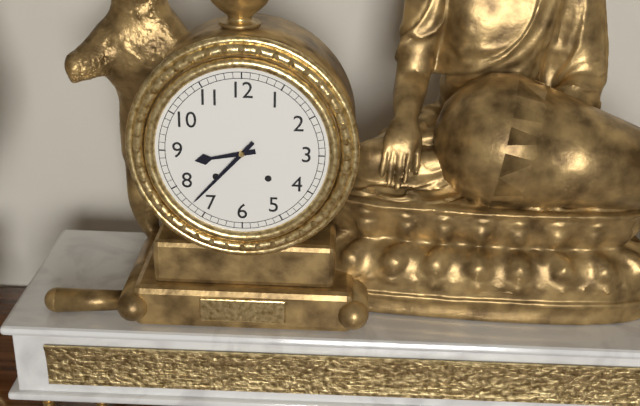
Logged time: 8,37
